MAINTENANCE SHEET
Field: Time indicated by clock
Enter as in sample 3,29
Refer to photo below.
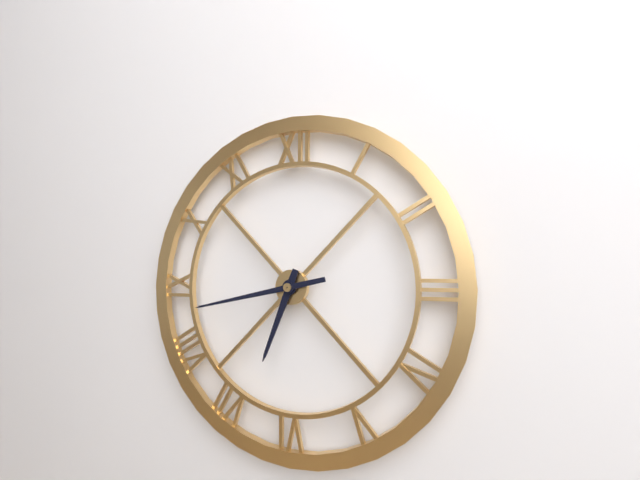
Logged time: 6,43
